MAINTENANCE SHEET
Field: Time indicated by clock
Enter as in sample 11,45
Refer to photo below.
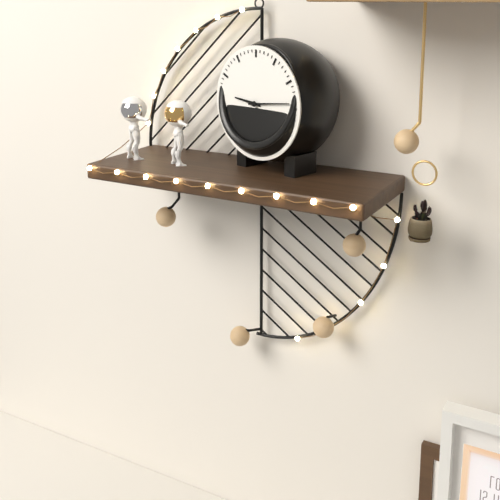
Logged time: 9,14
